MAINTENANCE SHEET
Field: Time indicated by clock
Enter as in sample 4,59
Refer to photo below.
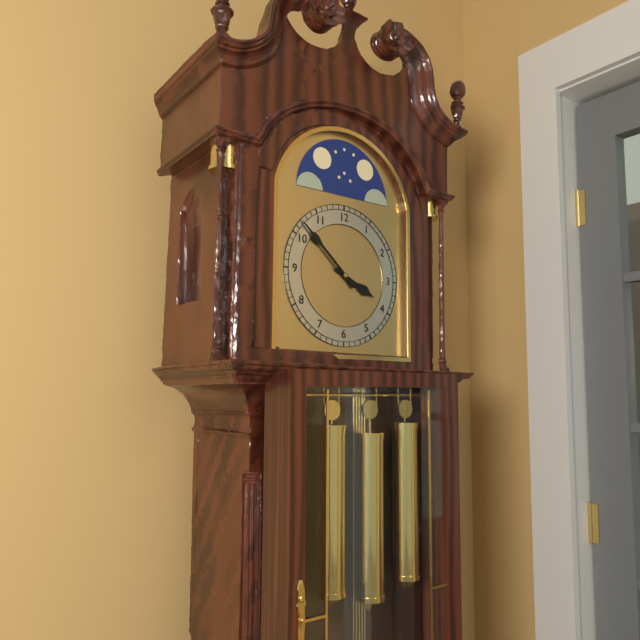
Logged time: 3,52
